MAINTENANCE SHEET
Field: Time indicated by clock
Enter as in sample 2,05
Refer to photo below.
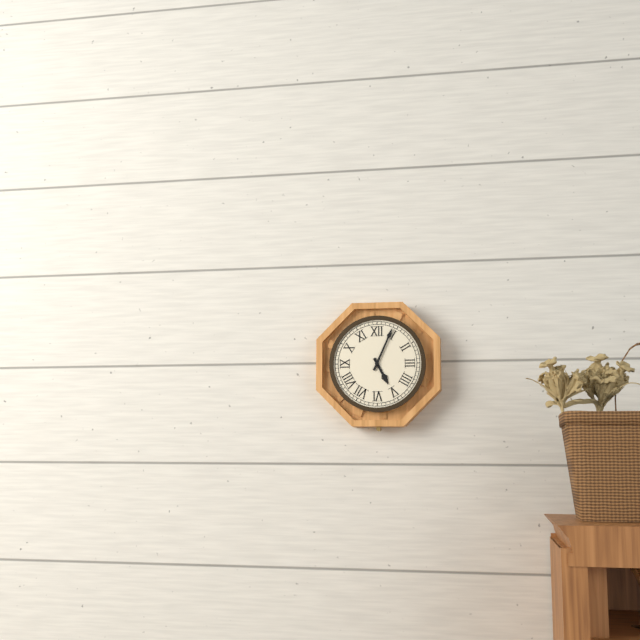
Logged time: 5,04
